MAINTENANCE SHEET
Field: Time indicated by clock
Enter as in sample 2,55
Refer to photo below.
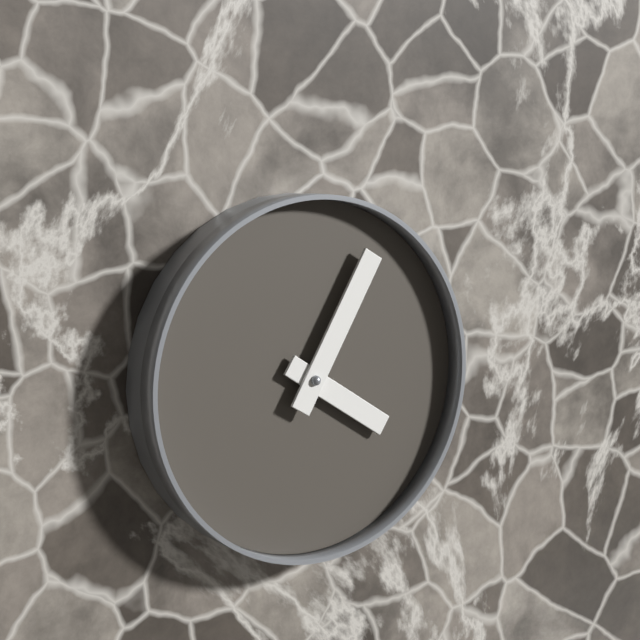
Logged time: 4,05
